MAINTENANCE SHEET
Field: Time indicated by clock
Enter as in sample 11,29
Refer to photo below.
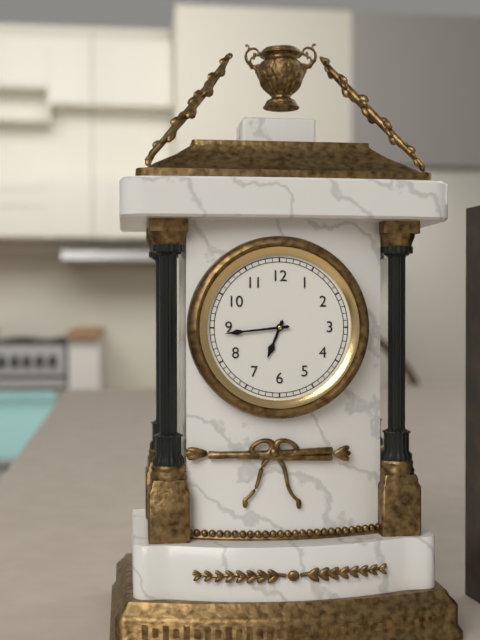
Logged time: 6,44
